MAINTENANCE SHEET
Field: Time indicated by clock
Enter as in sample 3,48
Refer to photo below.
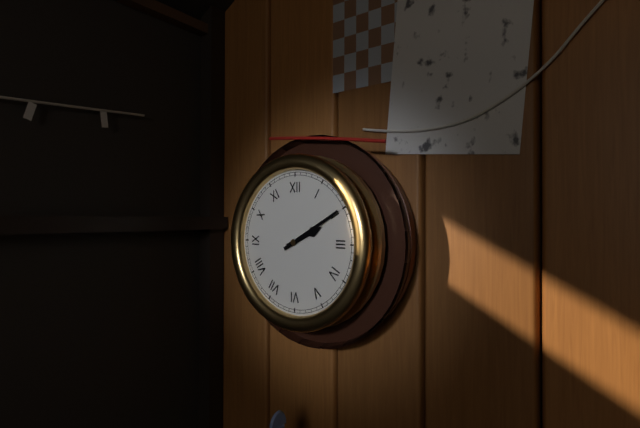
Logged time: 2,10
